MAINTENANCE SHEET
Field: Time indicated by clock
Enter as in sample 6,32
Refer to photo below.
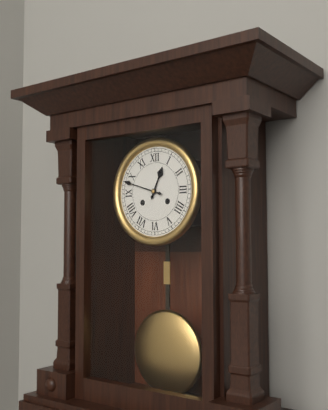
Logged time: 12,48
